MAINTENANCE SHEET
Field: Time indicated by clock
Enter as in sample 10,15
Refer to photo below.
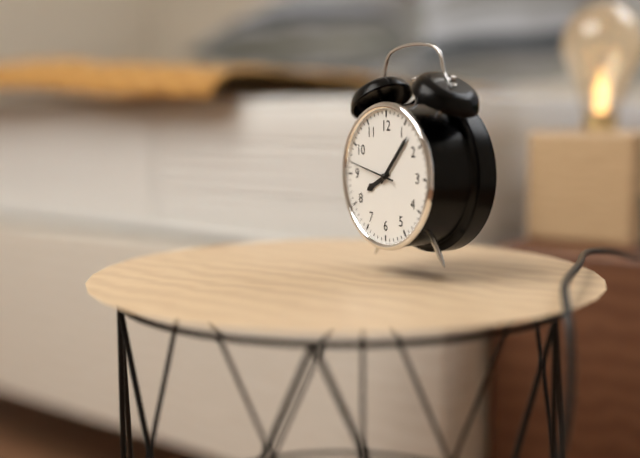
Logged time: 8,07
